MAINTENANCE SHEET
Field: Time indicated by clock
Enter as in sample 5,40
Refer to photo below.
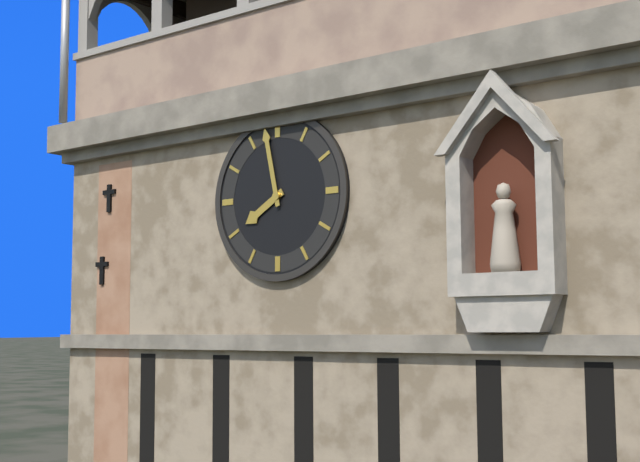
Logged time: 7,58
